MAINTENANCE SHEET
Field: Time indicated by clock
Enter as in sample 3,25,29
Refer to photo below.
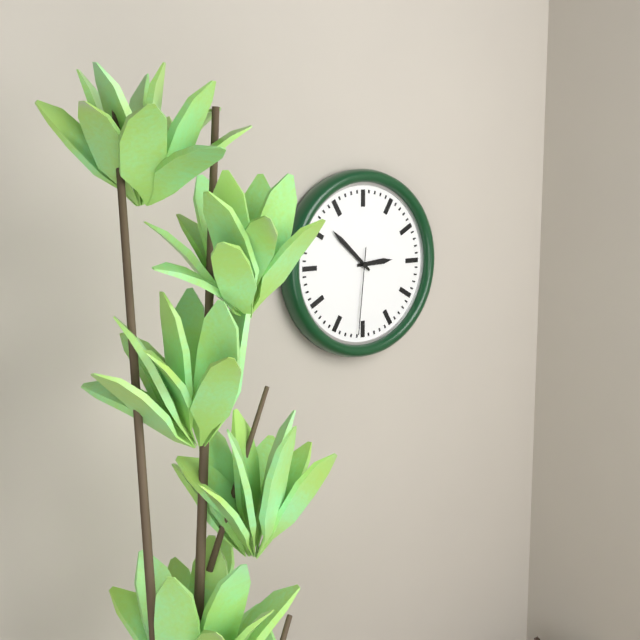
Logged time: 2,52,31
